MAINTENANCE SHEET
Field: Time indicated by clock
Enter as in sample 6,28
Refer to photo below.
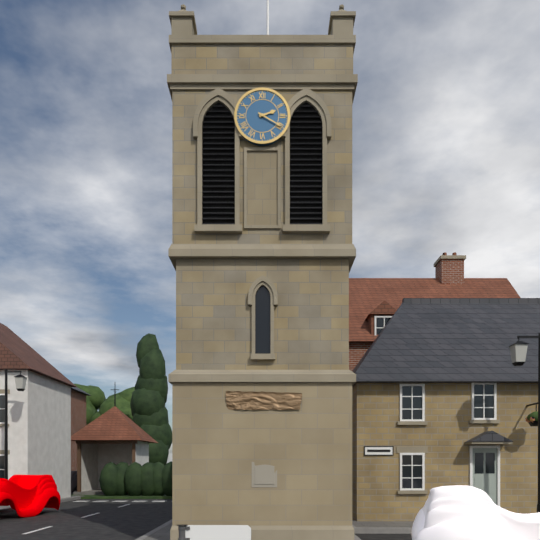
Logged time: 2,20
